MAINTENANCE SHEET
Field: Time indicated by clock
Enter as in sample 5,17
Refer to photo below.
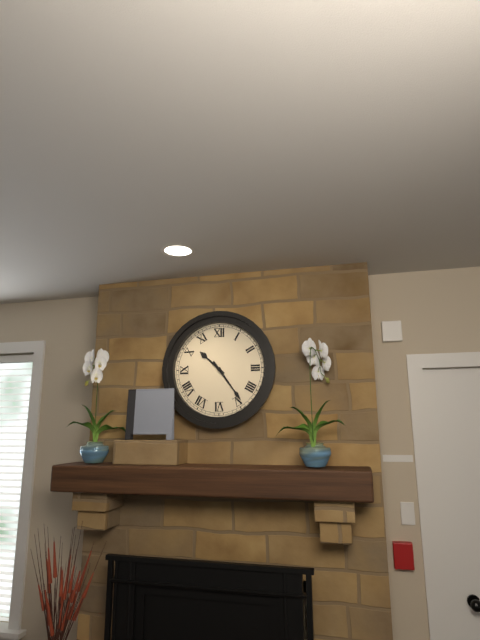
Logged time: 10,24
